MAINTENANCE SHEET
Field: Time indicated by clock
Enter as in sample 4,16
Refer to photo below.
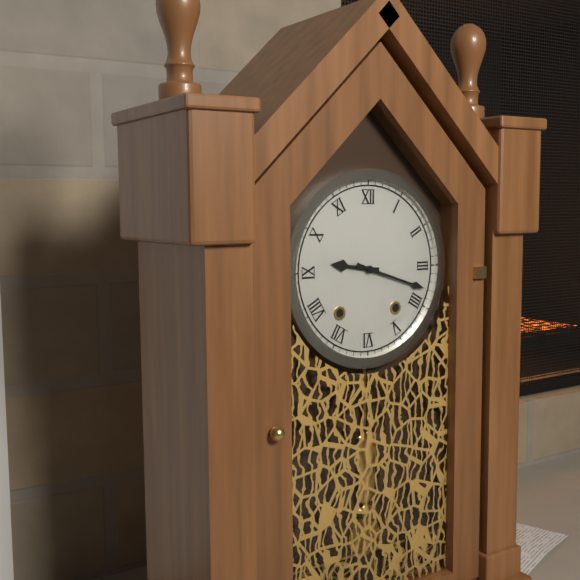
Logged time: 9,18
